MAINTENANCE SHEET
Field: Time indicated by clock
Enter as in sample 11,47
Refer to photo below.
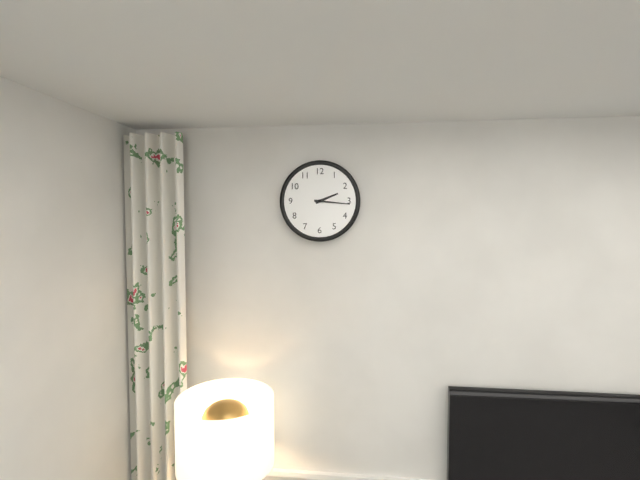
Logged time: 2,16
